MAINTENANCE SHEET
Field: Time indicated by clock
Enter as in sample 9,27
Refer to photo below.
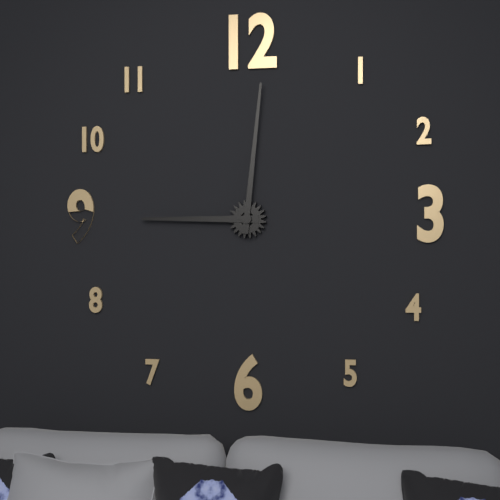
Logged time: 9,01
